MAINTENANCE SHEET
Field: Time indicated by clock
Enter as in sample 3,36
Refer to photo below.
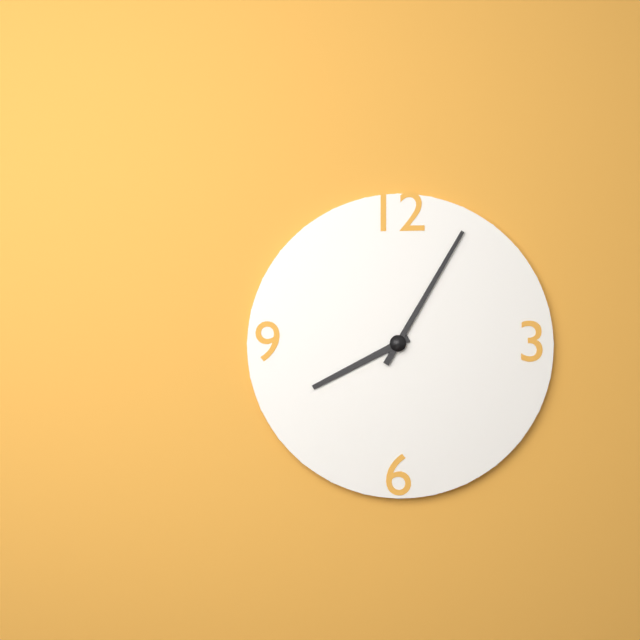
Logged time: 8,05
